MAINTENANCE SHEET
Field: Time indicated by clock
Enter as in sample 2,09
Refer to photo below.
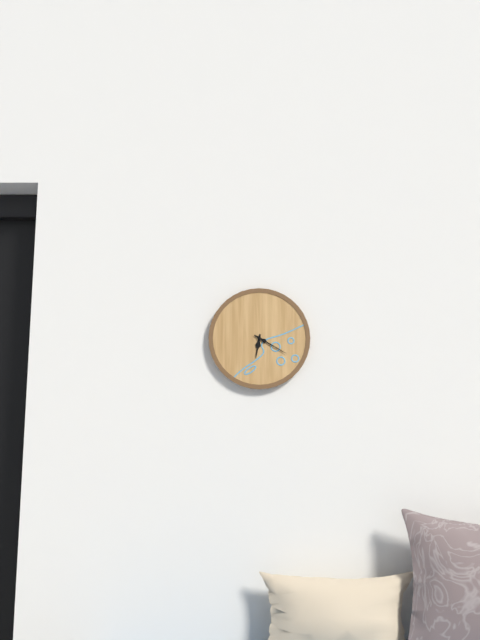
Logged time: 6,20
